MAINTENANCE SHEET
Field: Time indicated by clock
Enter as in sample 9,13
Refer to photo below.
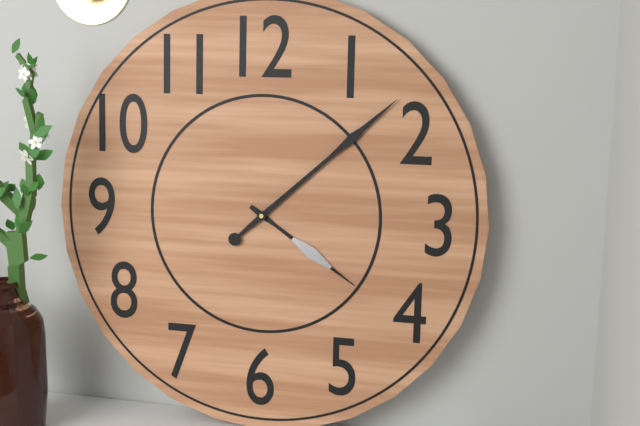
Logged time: 4,08
